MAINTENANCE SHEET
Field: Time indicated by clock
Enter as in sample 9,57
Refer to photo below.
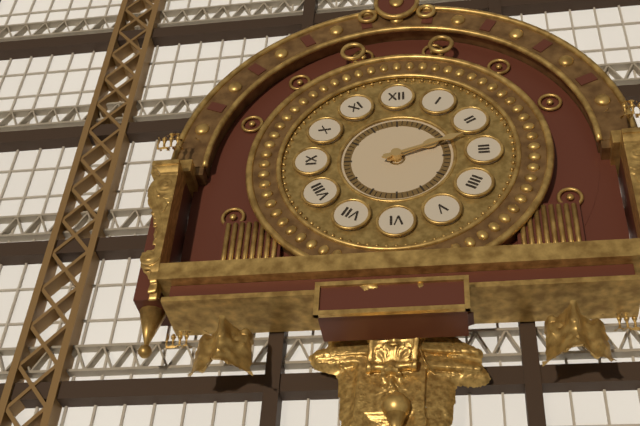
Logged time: 2,12
